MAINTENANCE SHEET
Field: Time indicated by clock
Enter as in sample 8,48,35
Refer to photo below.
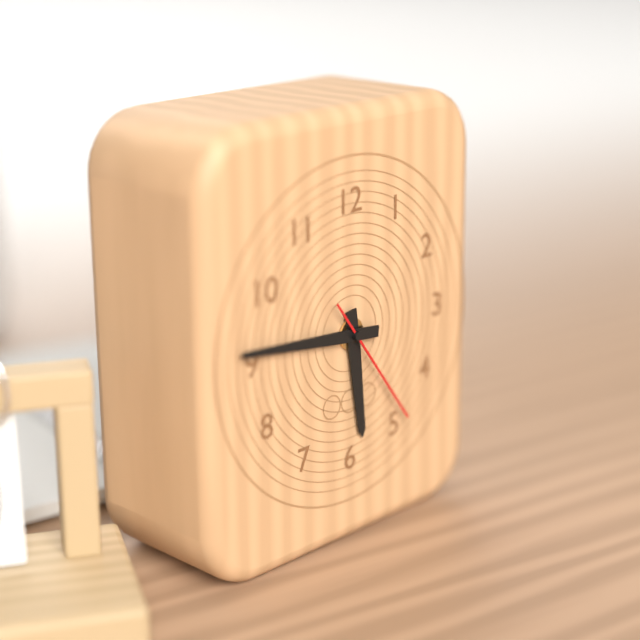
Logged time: 5,46,24
